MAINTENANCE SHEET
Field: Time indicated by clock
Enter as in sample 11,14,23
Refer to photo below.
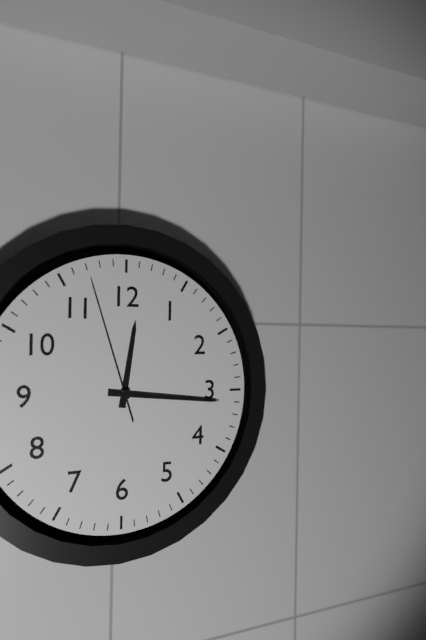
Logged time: 12,16,57
